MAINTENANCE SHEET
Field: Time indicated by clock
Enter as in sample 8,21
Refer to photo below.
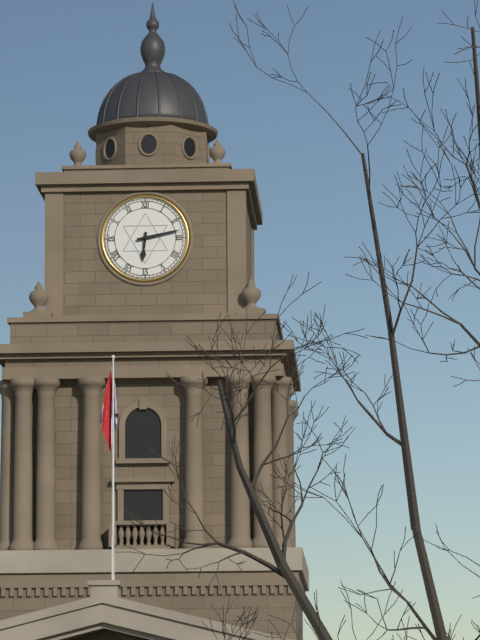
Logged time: 6,13
